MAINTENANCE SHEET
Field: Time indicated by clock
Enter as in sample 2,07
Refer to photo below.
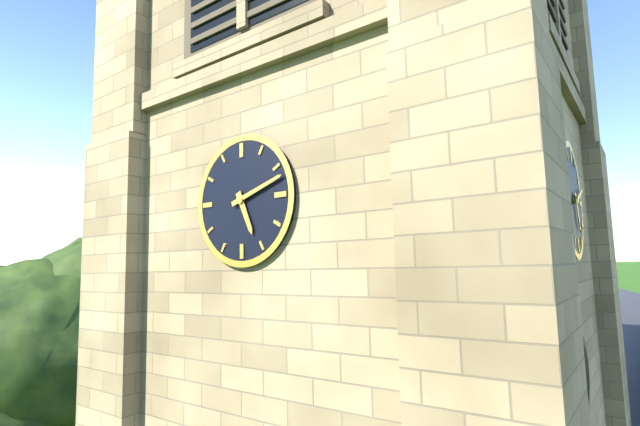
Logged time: 5,12
